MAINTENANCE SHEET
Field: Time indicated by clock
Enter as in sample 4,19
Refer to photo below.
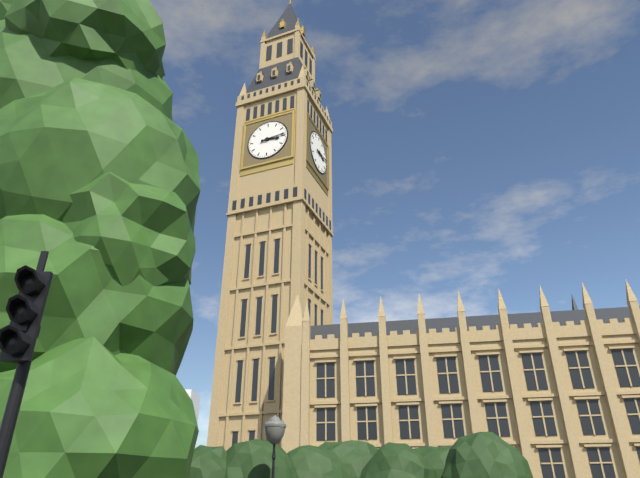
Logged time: 3,14
